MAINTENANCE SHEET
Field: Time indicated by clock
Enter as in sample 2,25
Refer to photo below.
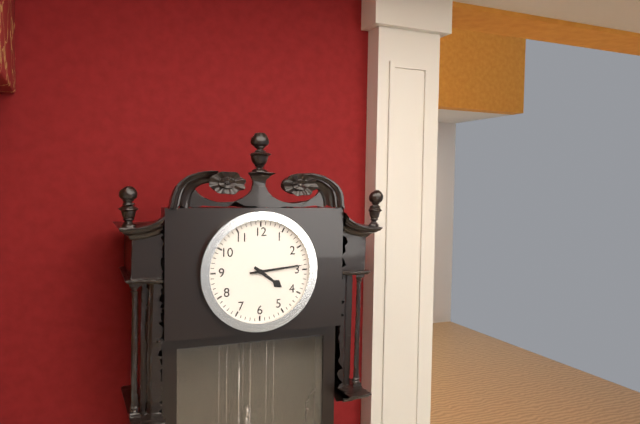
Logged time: 4,14
